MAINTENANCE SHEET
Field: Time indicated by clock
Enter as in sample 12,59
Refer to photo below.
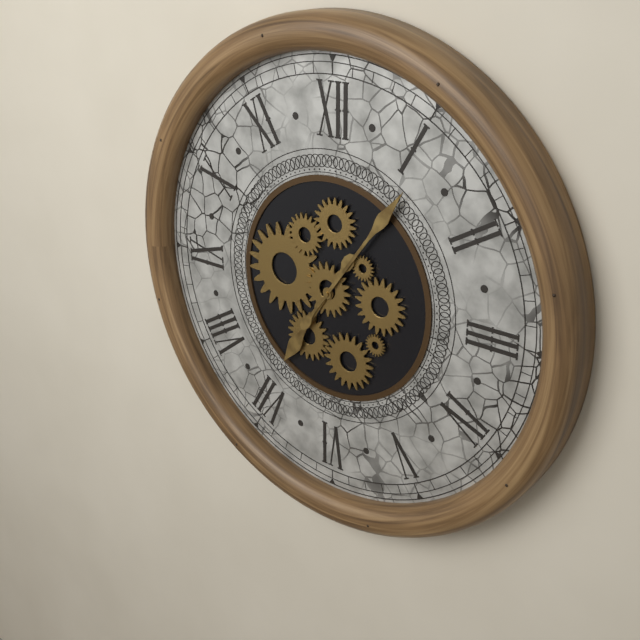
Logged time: 7,06
